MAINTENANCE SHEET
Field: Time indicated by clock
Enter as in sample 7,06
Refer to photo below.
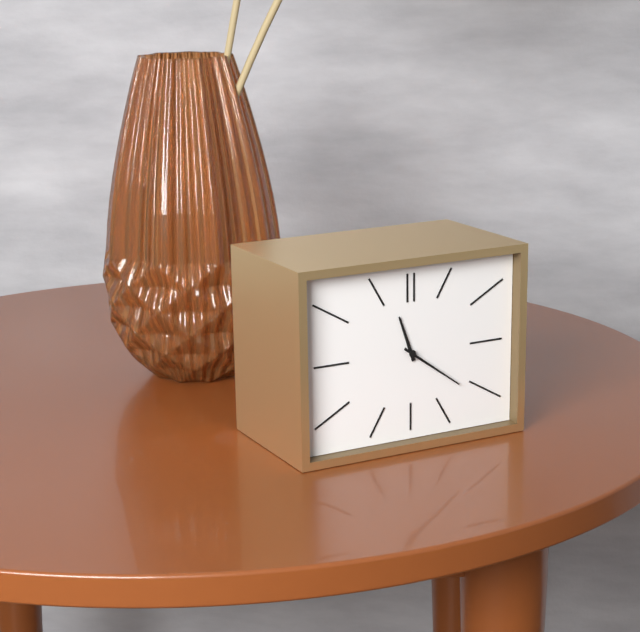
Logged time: 11,21
